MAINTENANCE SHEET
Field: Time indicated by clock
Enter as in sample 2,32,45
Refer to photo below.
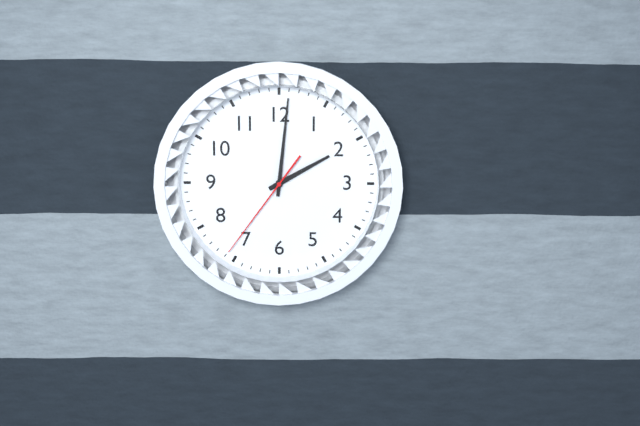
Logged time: 2,01,36
